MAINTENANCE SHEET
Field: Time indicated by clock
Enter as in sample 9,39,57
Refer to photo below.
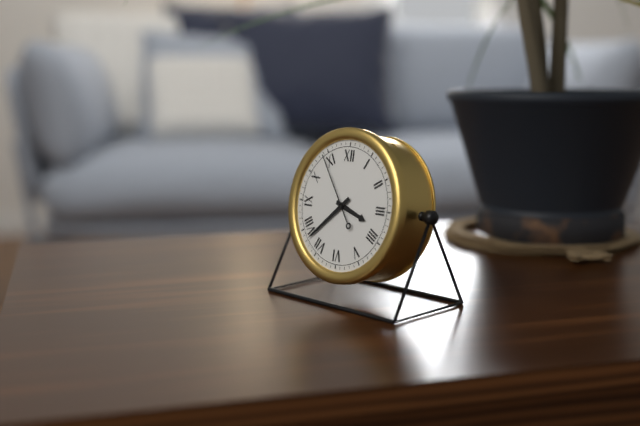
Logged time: 3,38,54
